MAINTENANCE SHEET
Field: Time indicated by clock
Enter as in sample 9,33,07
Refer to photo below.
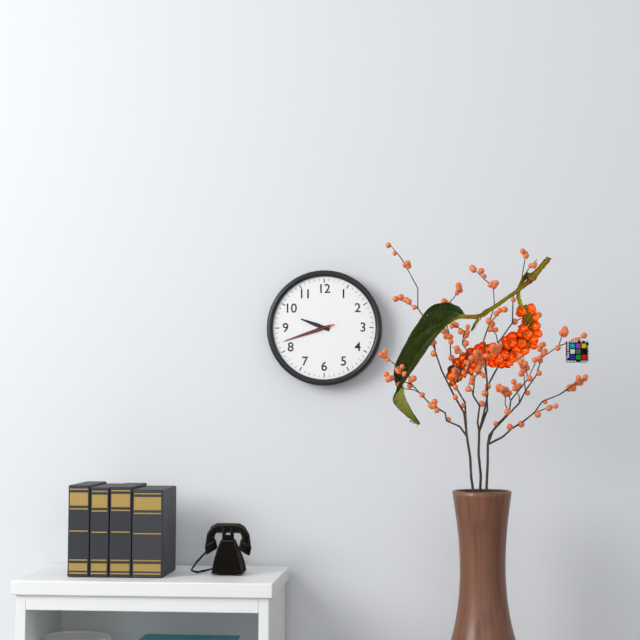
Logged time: 9,42,42
